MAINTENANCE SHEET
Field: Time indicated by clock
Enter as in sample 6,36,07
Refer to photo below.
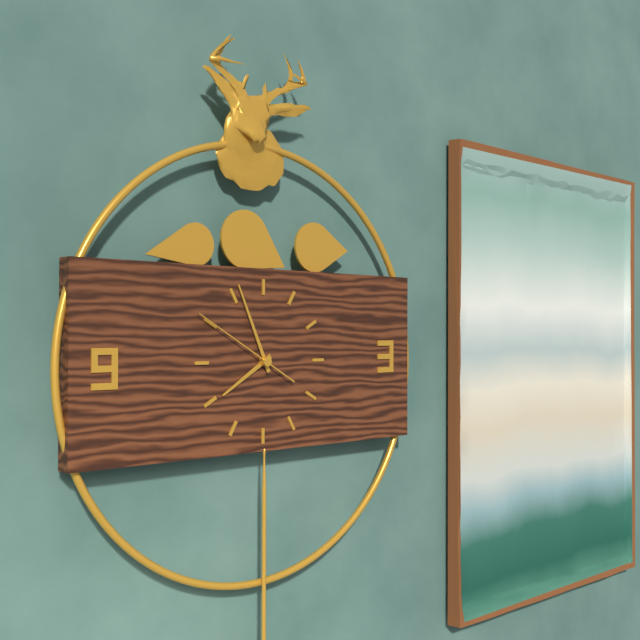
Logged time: 7,56,50
